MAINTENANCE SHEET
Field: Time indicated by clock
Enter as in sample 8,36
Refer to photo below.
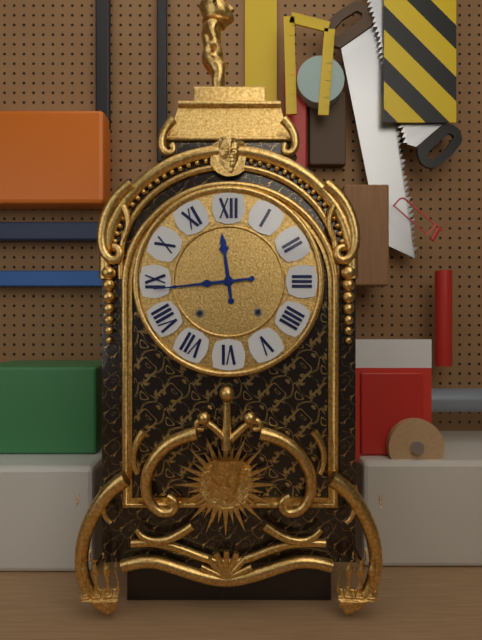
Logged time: 11,44
